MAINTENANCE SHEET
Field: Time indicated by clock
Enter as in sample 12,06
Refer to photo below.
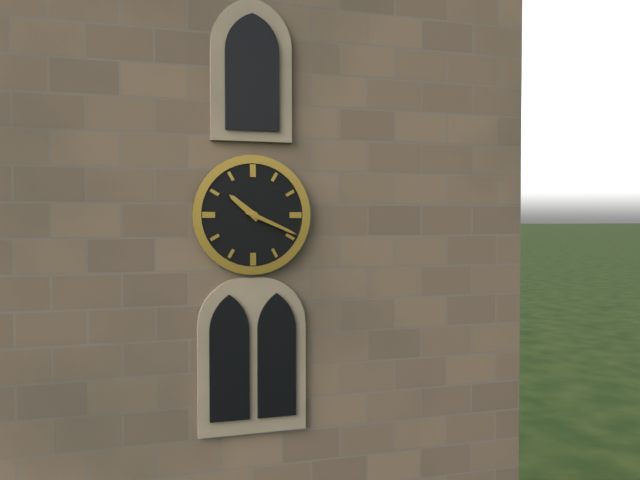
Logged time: 10,19
